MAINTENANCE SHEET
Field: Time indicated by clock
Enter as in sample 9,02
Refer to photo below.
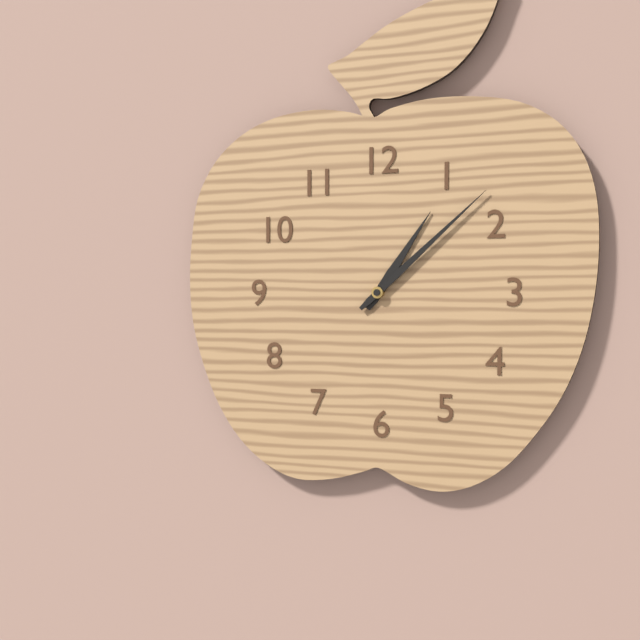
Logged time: 1,08
